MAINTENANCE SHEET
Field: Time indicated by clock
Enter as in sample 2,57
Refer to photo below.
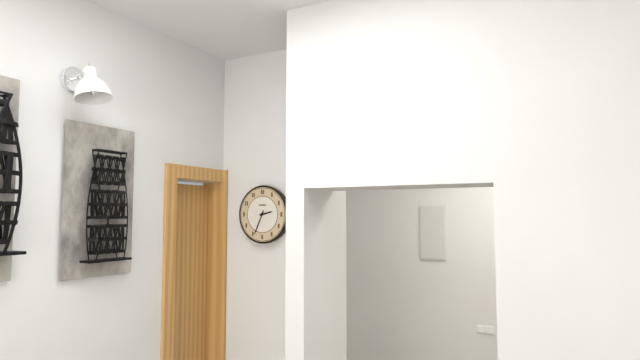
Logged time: 2,34
